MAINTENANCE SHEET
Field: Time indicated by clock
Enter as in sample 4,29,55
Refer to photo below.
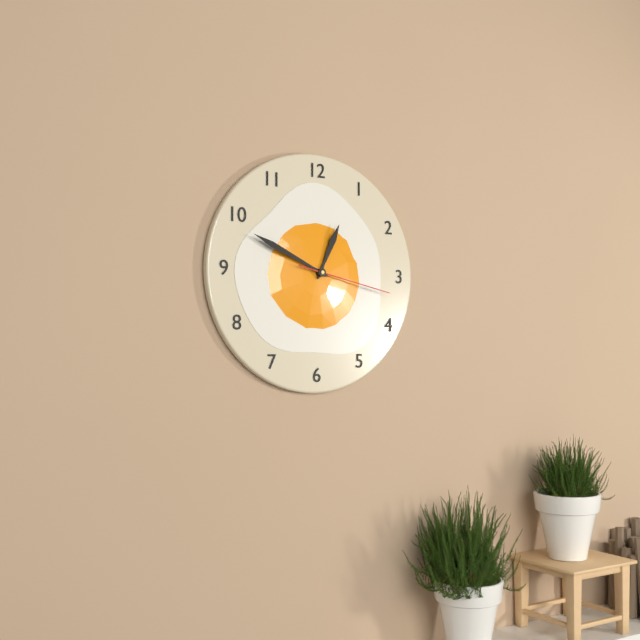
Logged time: 12,49,17
